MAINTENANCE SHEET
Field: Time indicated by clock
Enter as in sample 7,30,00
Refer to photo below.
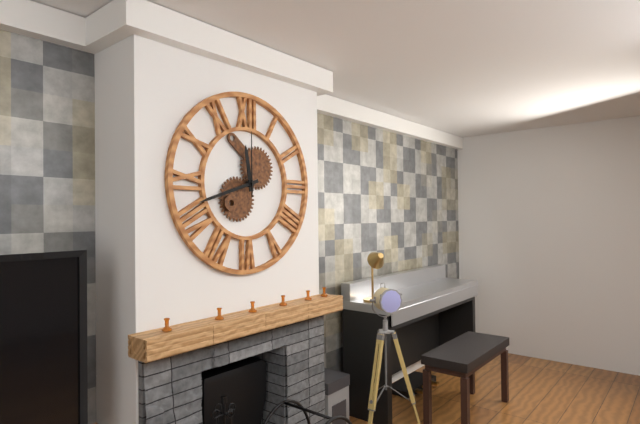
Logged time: 11,42,00
